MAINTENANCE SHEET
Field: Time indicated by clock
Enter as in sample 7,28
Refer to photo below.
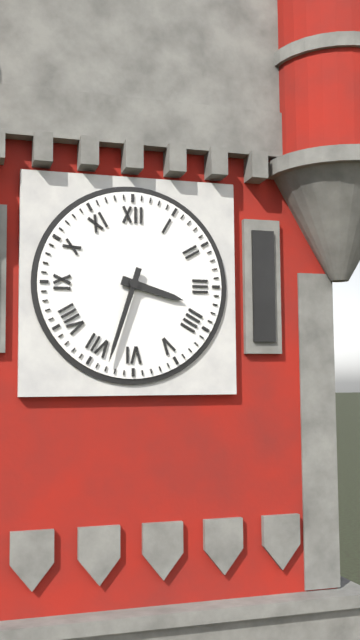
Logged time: 3,33
